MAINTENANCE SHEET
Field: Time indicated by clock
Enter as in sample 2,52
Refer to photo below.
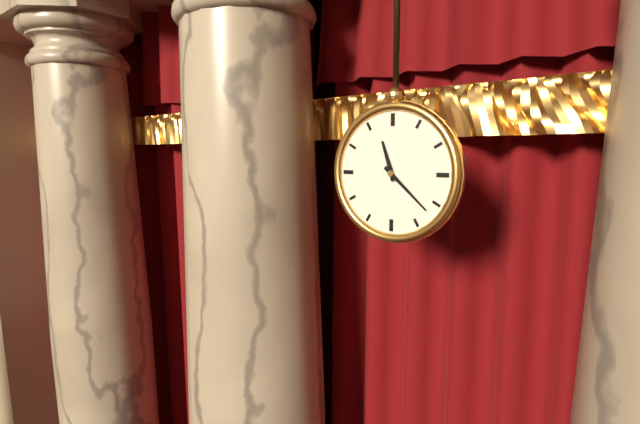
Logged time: 11,22
